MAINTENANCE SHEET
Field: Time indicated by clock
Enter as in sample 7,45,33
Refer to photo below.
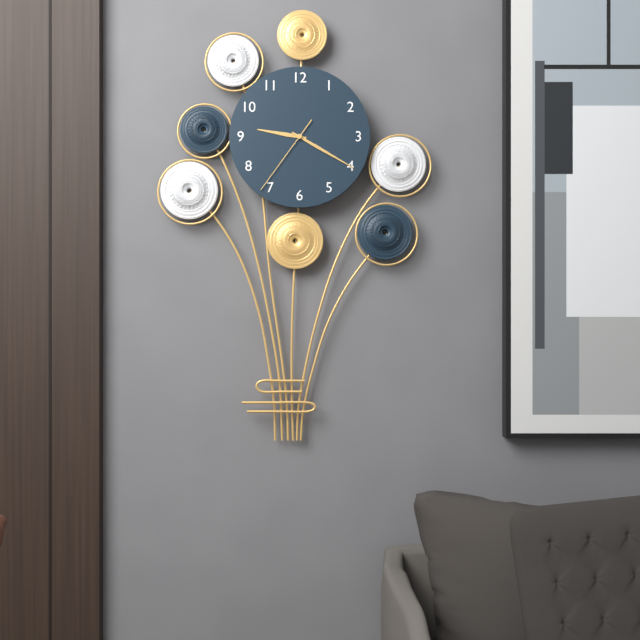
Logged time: 9,20,36
